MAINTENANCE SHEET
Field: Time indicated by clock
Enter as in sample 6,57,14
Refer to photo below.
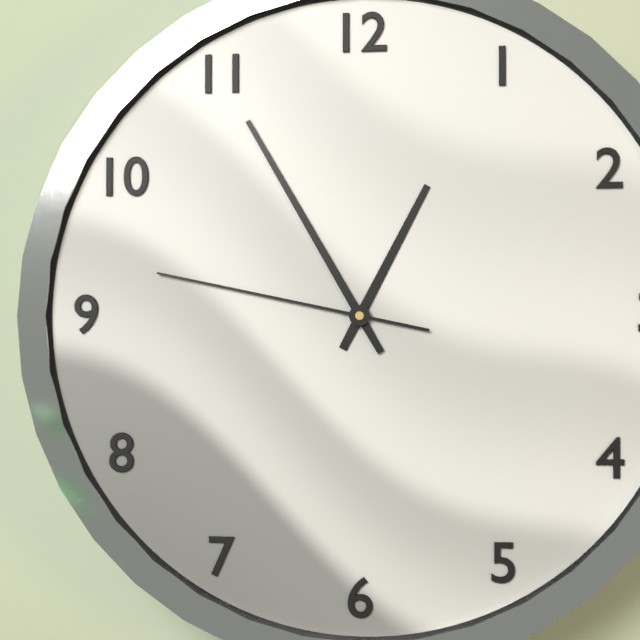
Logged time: 12,55,47
